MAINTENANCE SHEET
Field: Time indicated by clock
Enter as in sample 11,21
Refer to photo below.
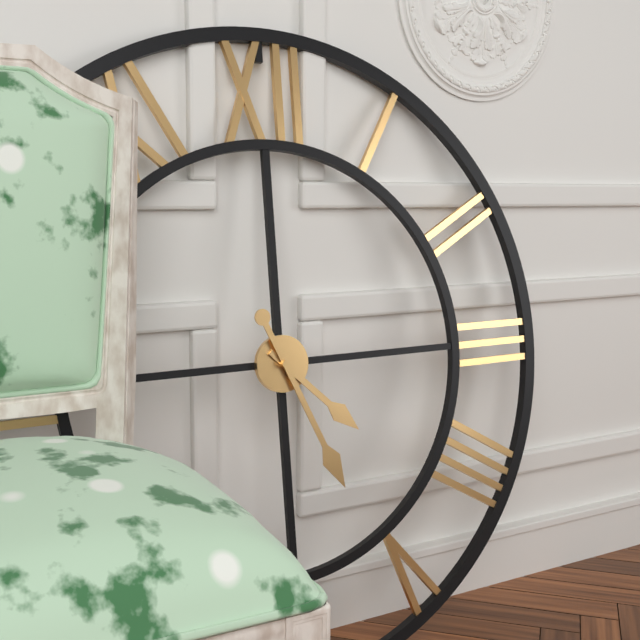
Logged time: 4,26
